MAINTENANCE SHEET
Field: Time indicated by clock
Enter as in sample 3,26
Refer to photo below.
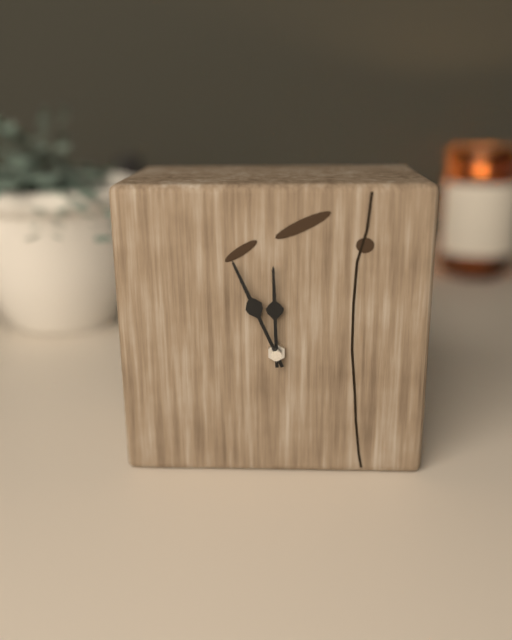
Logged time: 11,56
